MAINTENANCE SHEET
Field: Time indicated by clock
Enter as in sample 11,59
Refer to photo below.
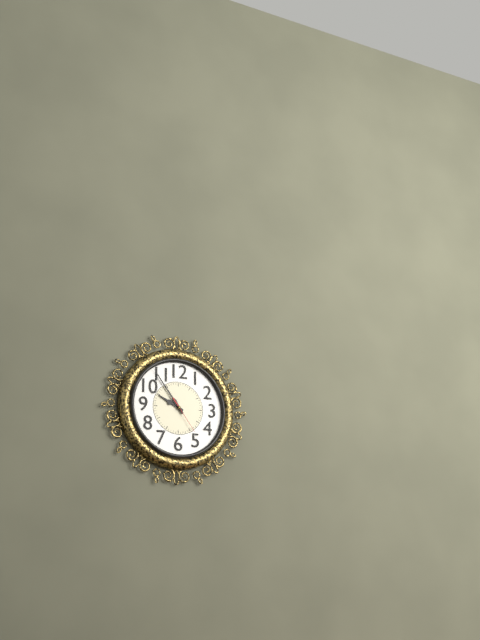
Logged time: 9,54
